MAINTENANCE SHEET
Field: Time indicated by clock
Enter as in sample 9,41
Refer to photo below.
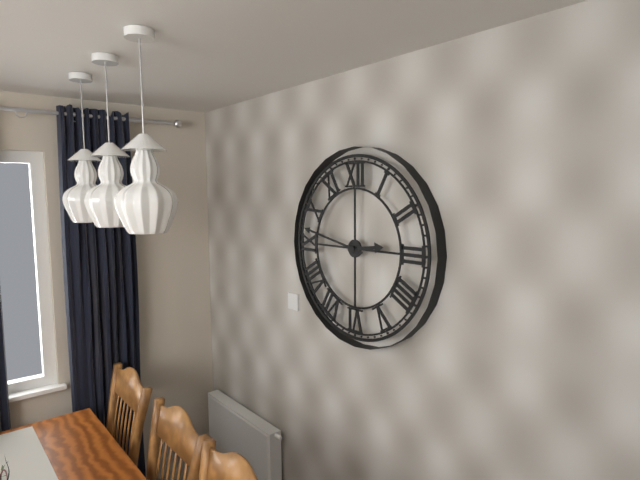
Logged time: 2,47
